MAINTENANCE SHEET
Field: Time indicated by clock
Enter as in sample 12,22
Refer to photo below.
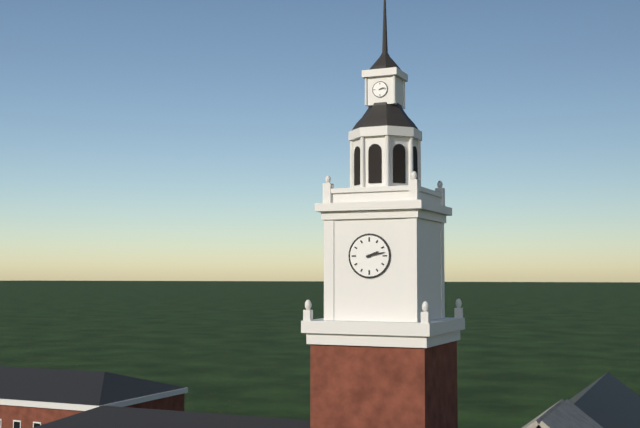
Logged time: 2,13
